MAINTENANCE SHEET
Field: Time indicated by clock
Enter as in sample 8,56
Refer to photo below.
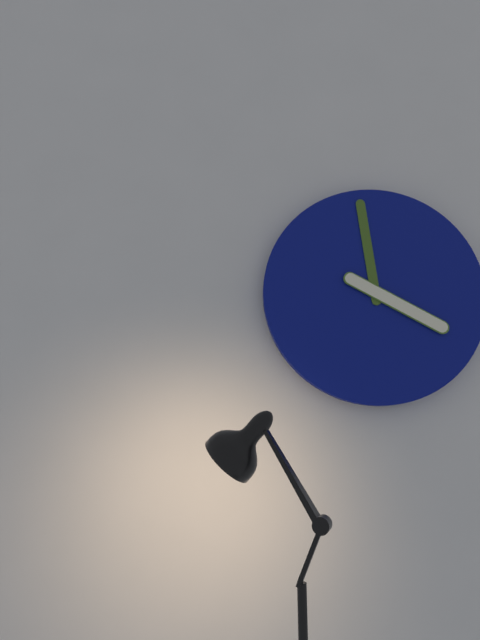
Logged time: 3,59
